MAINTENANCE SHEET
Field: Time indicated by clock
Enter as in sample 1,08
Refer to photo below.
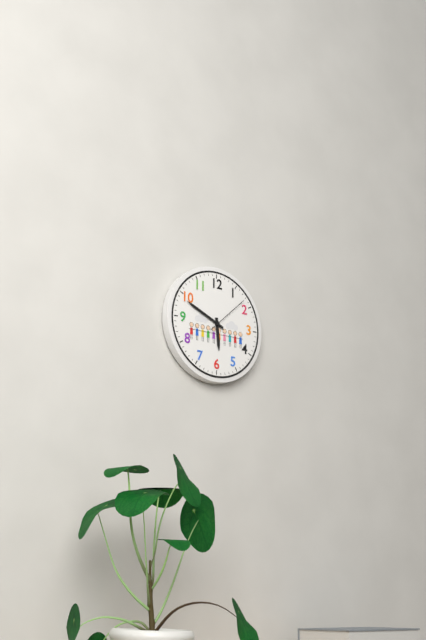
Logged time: 5,49
